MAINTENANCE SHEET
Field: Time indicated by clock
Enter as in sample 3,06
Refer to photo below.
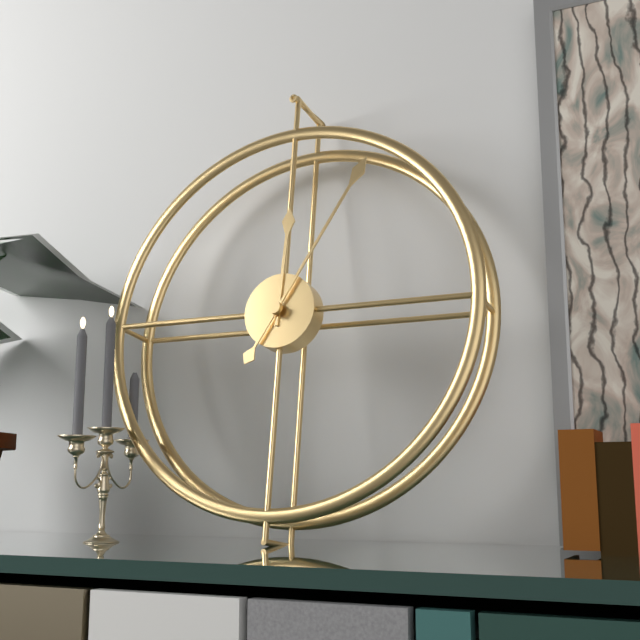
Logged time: 12,05
